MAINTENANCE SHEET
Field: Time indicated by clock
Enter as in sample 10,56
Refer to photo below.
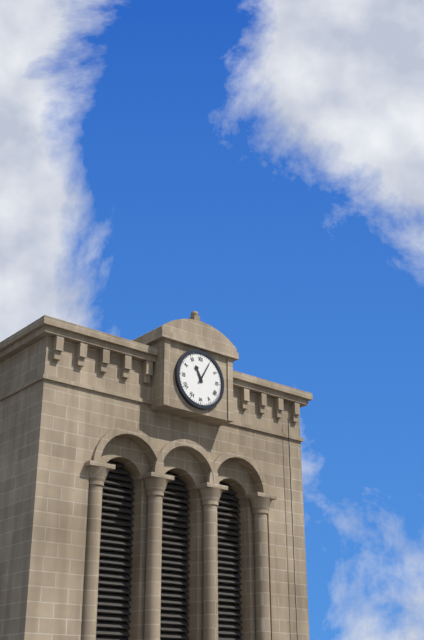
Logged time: 11,05
